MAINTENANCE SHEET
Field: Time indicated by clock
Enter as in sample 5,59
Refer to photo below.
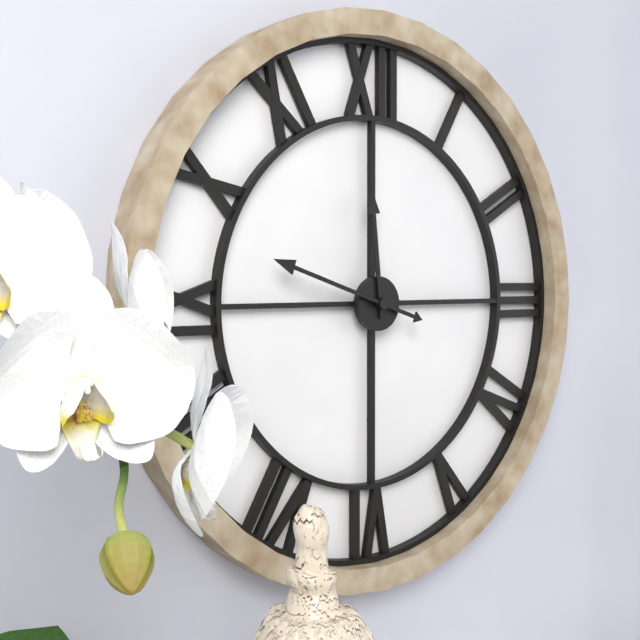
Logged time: 11,48
